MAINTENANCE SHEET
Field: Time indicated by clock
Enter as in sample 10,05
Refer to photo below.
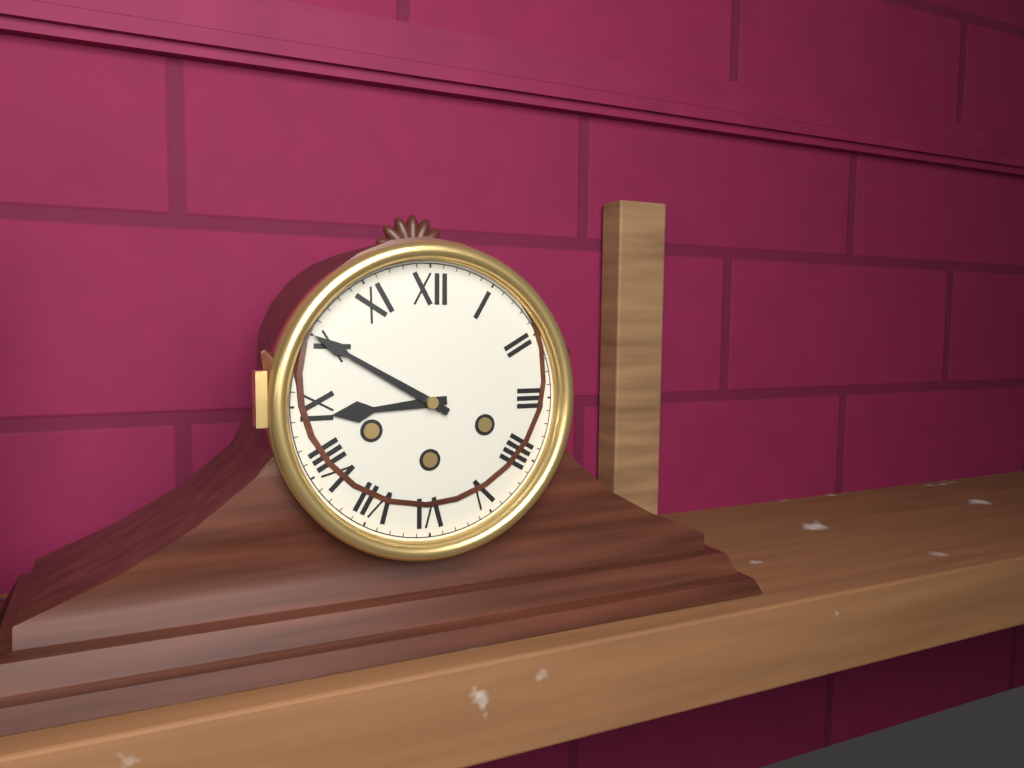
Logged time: 8,50
